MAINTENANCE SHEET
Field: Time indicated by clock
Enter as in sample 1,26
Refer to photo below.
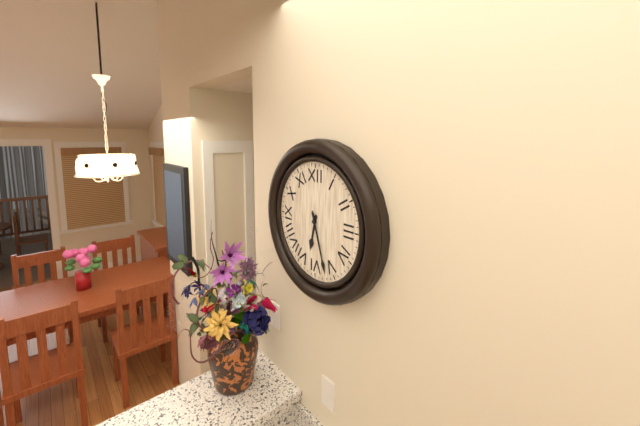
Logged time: 6,27
